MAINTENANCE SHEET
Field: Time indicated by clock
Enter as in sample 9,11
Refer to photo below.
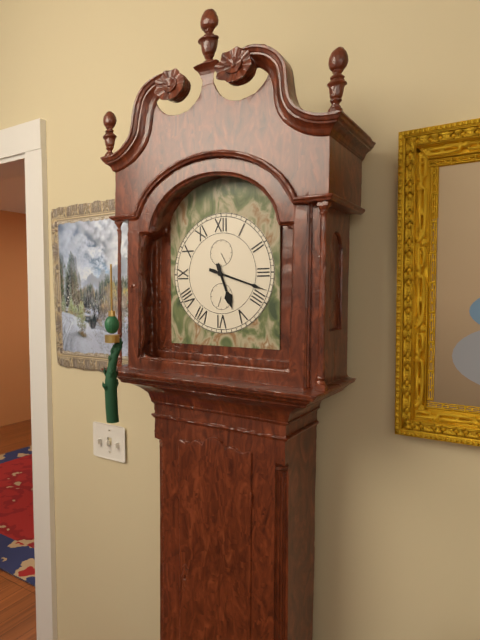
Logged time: 5,18
